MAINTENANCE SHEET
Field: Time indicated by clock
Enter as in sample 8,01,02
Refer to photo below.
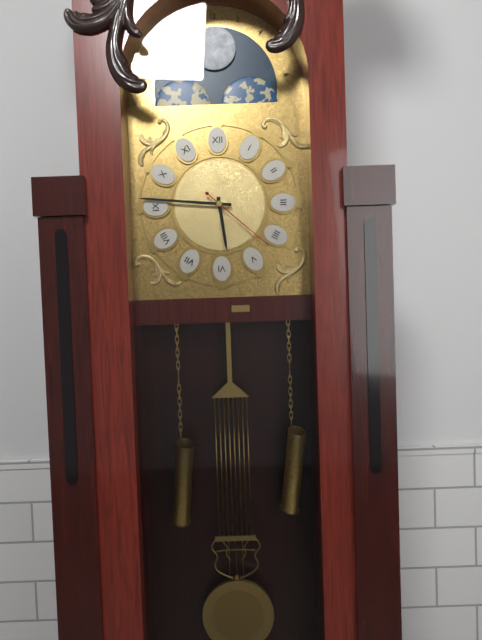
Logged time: 5,46,22
